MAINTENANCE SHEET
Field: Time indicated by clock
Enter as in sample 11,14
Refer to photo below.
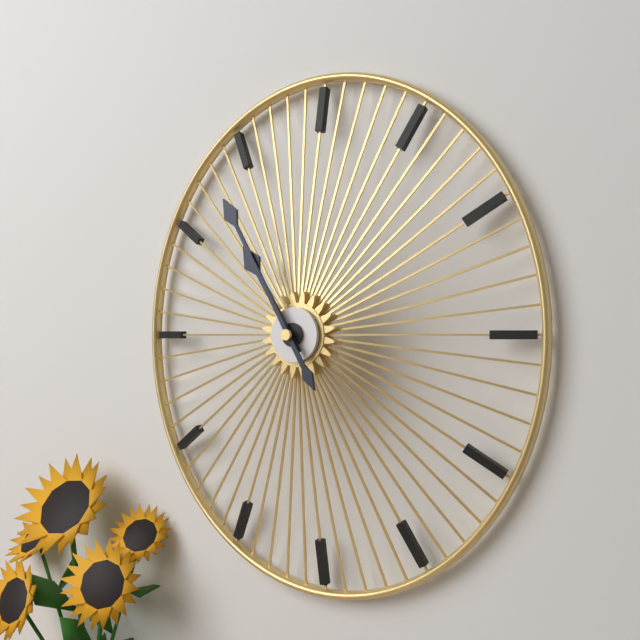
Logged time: 10,55
